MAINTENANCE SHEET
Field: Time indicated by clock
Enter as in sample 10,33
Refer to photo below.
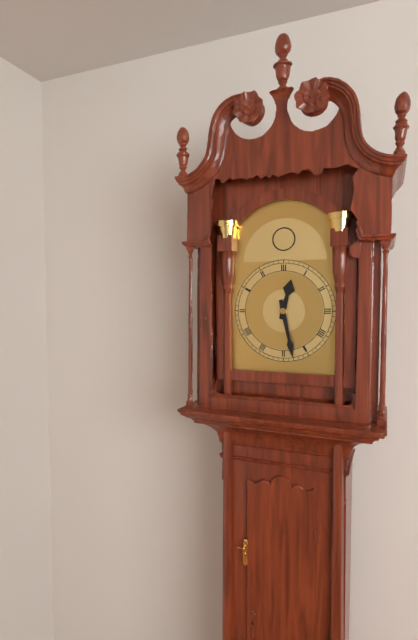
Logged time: 12,28
